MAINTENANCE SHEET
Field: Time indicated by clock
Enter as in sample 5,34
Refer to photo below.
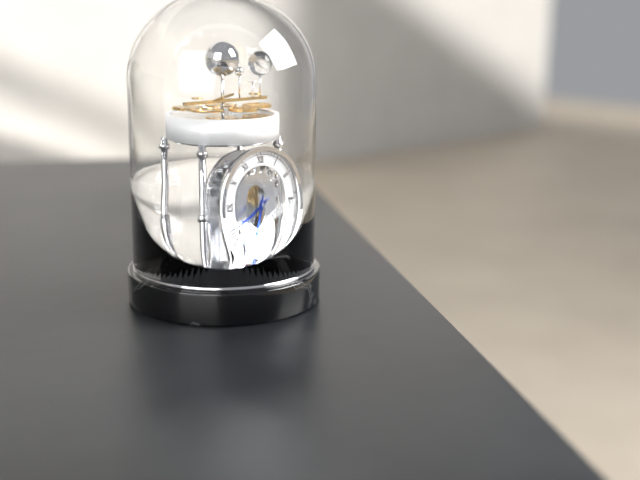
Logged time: 6,41
